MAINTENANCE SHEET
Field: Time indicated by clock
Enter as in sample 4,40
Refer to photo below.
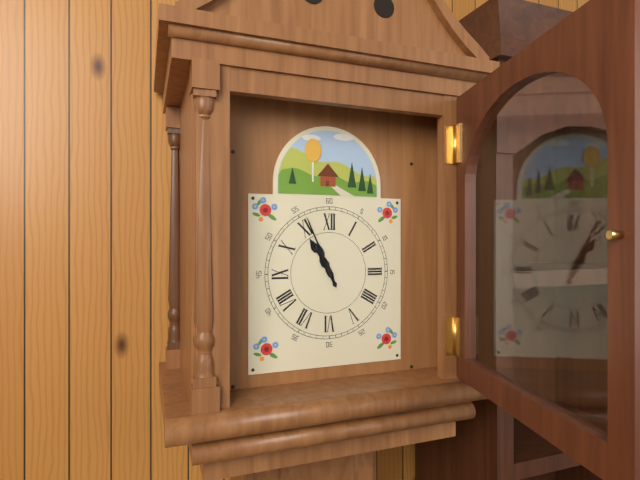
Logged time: 10,56
